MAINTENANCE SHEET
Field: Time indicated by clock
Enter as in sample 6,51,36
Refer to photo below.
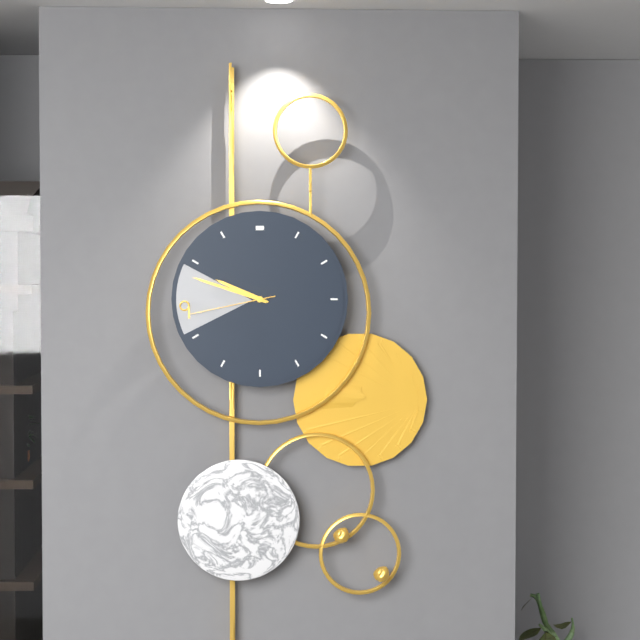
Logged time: 9,48,43
